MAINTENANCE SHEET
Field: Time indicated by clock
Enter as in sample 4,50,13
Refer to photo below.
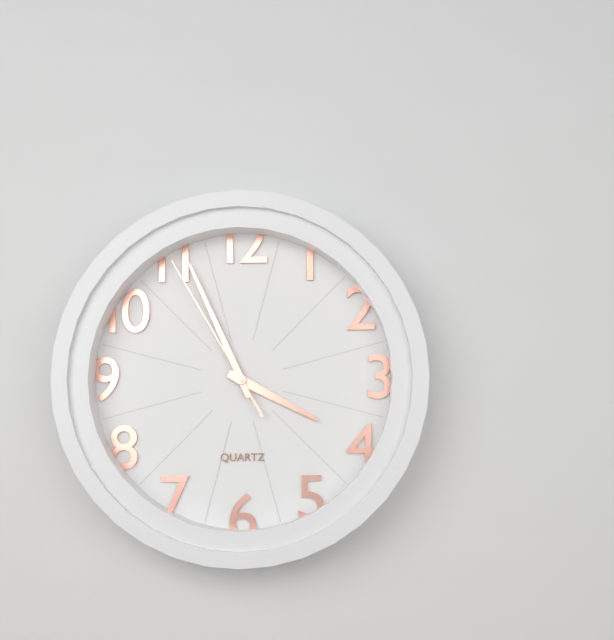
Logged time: 3,56,55
